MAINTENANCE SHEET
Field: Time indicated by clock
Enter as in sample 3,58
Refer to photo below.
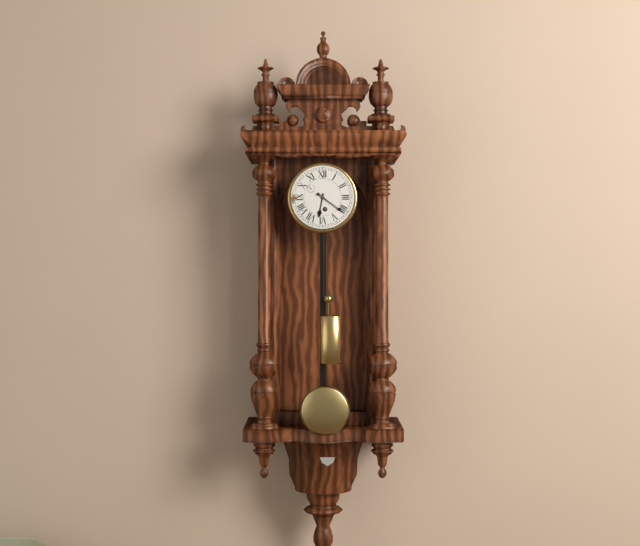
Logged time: 6,21
